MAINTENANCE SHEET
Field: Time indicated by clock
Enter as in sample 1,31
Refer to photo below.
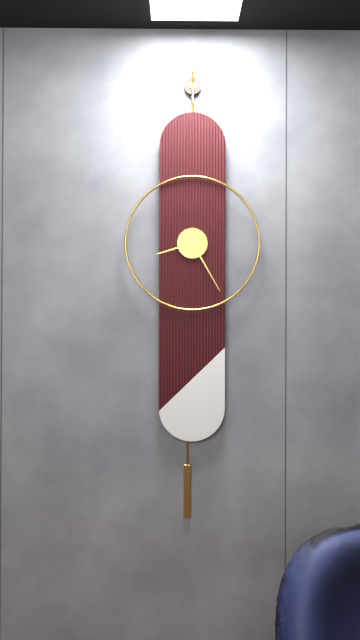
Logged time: 8,25
